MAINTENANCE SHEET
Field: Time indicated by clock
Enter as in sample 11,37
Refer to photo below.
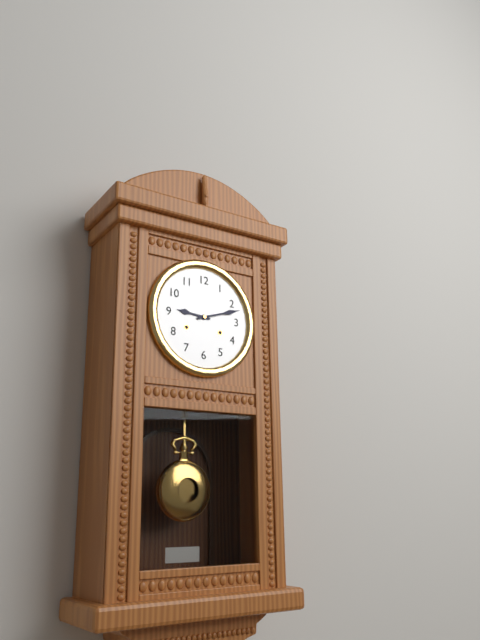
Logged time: 9,12
